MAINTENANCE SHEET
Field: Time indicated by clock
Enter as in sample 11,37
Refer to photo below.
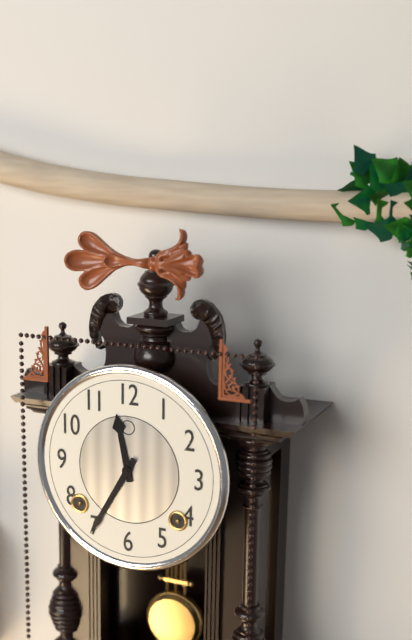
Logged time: 11,35
